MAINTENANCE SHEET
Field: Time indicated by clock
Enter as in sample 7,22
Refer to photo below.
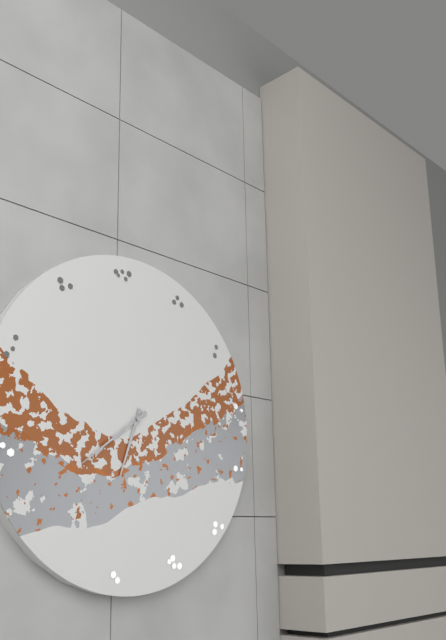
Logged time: 6,39
